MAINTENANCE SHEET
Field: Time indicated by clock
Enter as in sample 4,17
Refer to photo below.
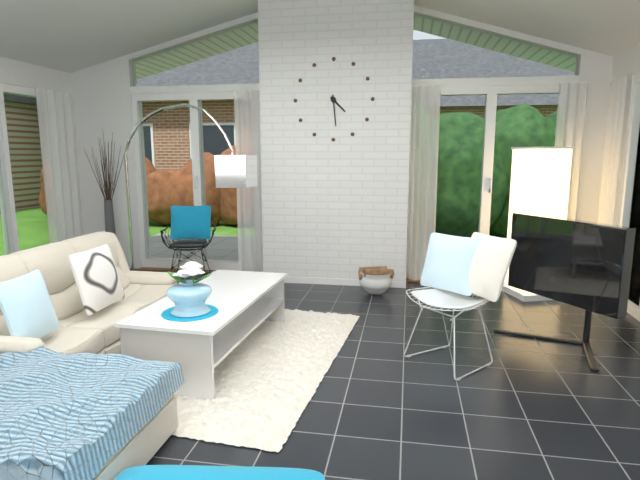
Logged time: 4,29
